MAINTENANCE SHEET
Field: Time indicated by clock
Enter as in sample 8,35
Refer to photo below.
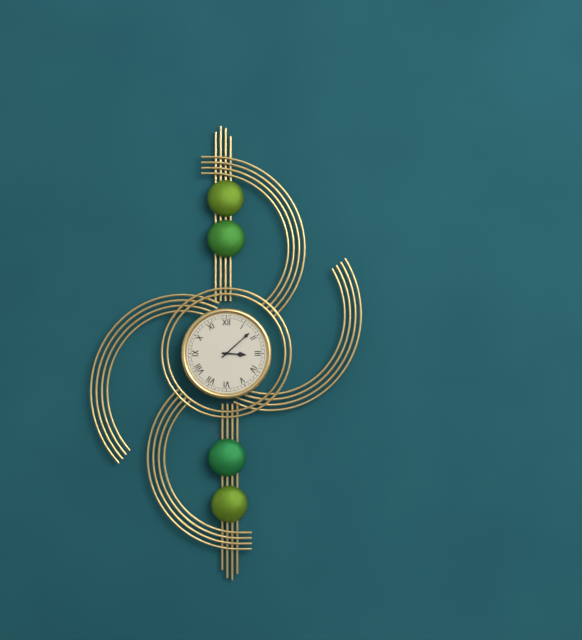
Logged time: 3,08
